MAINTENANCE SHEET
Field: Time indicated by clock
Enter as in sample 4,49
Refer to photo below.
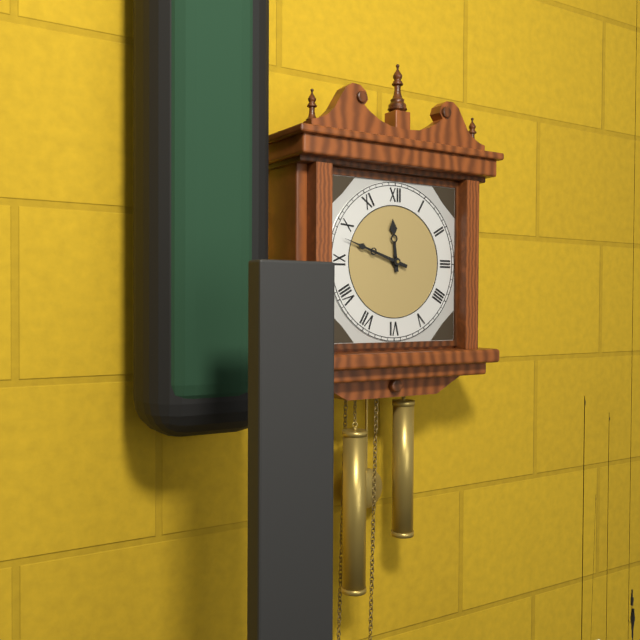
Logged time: 11,48
